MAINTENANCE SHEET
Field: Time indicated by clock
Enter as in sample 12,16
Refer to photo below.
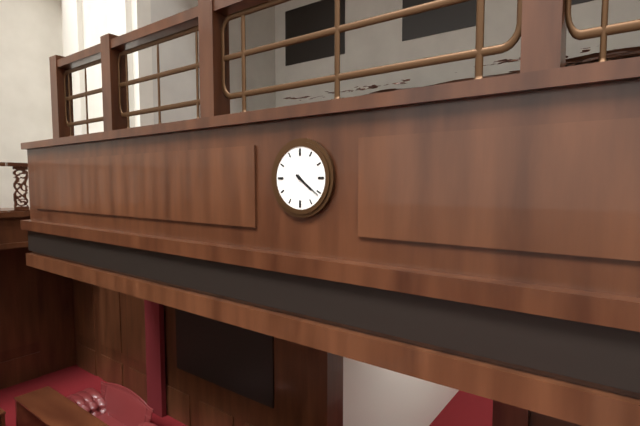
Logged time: 4,21
